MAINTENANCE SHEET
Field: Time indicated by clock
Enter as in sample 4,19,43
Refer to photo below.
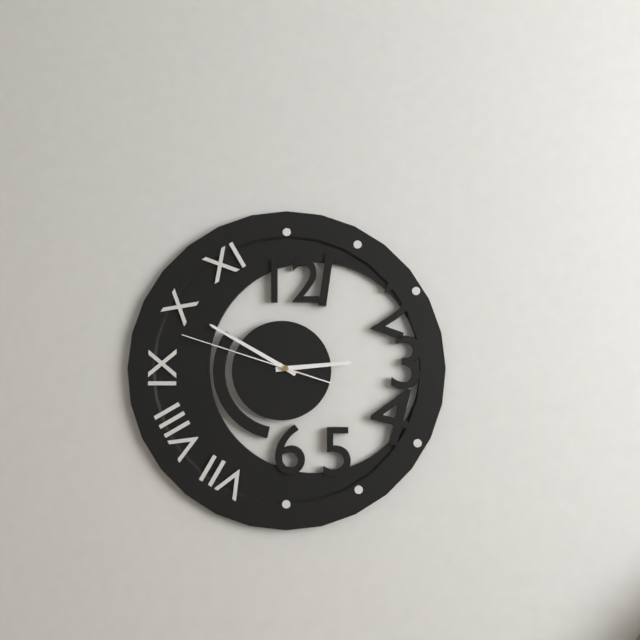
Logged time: 2,50,48
